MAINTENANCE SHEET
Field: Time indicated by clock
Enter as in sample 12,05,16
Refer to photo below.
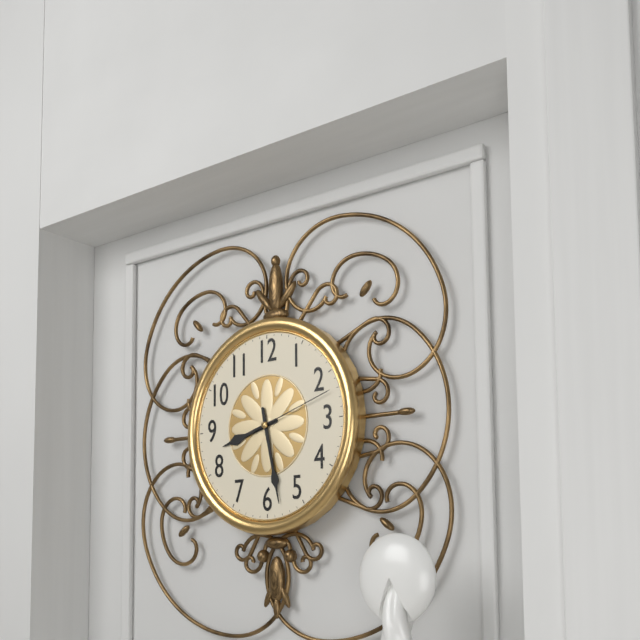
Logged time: 8,28,12
